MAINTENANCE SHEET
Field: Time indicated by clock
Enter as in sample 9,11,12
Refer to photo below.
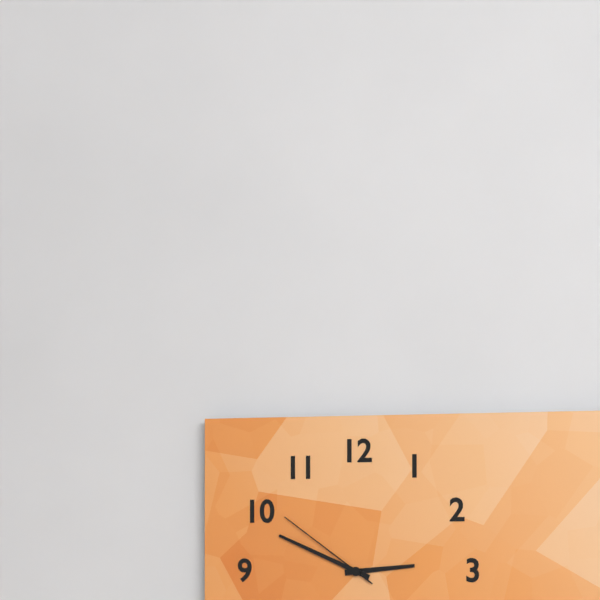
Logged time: 2,49,51
